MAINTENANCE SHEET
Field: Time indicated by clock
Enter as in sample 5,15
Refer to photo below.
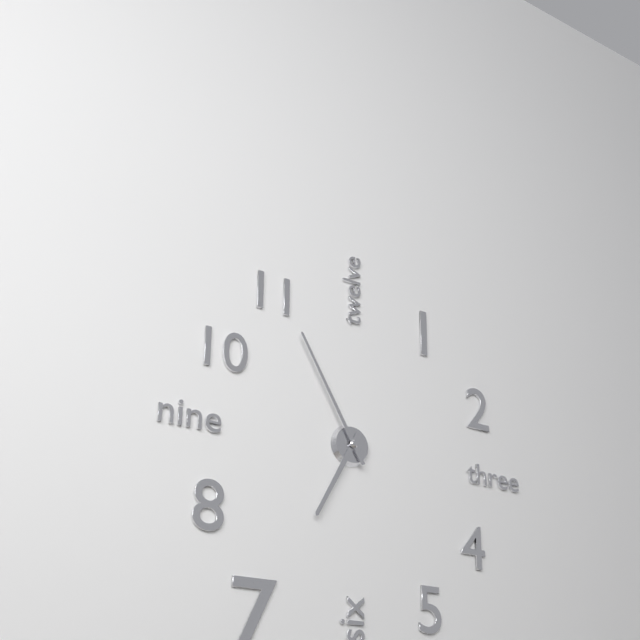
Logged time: 6,55
